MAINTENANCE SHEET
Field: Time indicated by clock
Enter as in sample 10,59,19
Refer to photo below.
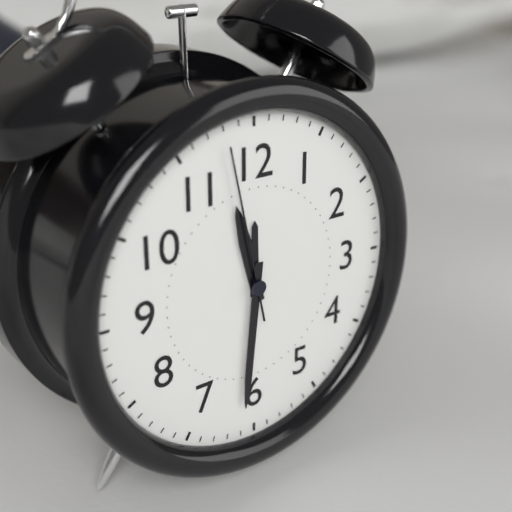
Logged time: 11,31,58
